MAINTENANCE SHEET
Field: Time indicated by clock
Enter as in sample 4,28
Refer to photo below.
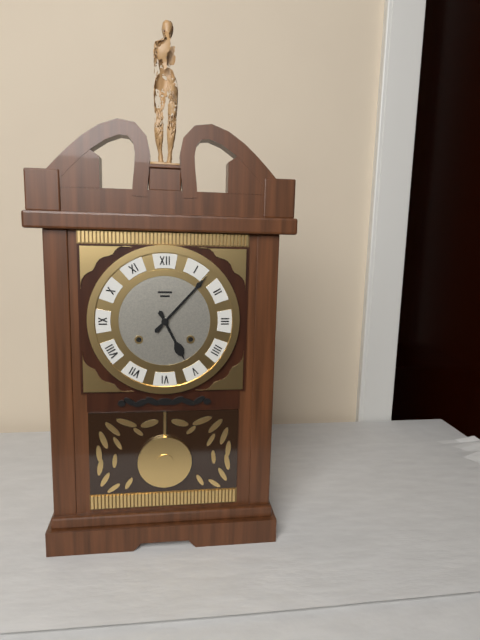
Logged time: 5,07
